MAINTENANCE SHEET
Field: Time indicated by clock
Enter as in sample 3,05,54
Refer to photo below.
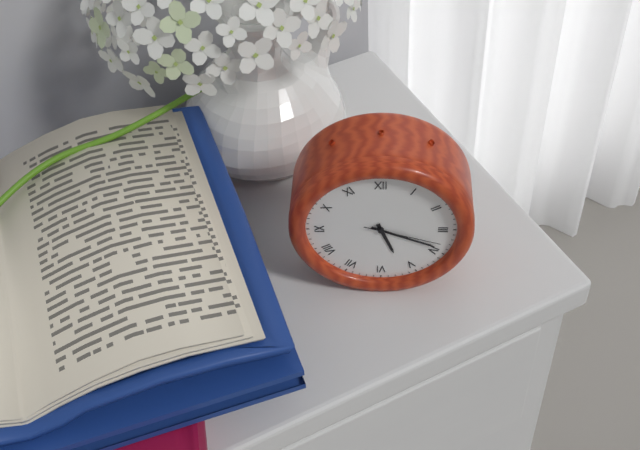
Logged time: 5,19,18
